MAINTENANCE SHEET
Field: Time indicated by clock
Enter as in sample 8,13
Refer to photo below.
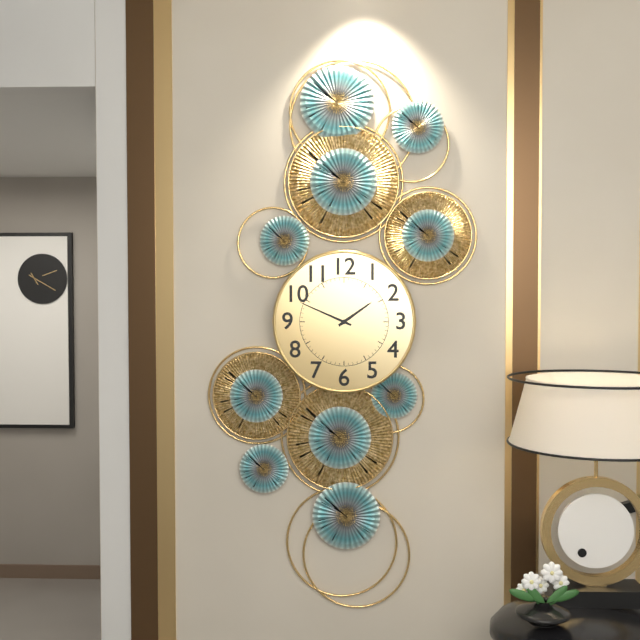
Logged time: 1,49
